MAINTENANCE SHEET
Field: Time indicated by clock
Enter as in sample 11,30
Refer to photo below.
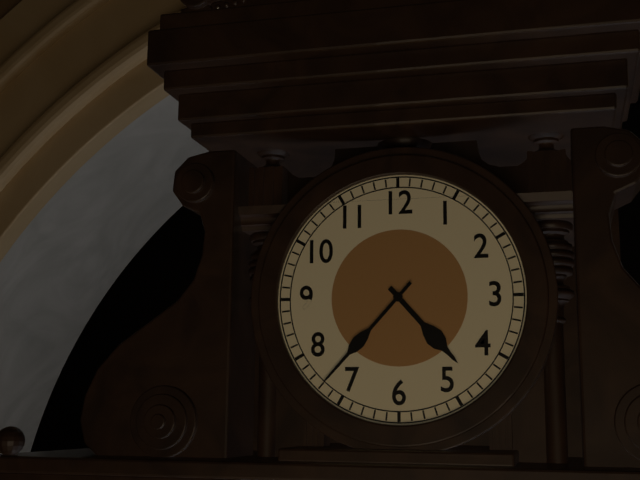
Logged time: 4,37
